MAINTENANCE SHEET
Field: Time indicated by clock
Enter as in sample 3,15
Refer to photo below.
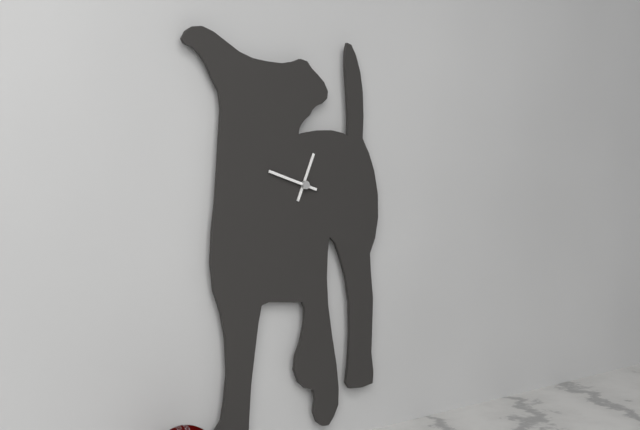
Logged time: 12,48
